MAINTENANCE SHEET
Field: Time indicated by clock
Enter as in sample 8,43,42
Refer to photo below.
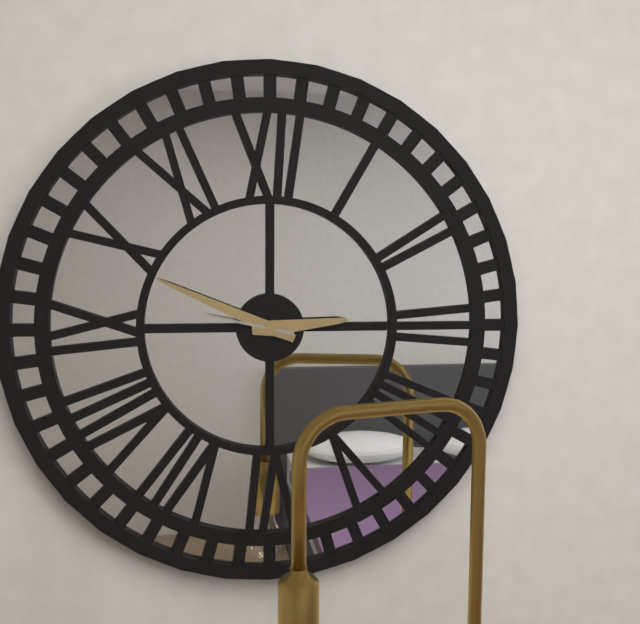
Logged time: 2,49,47
